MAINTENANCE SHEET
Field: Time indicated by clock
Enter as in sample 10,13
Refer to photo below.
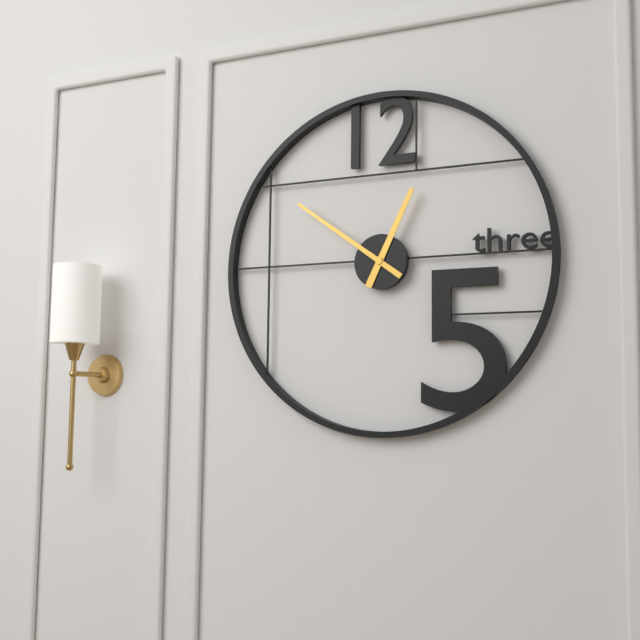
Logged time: 12,51
